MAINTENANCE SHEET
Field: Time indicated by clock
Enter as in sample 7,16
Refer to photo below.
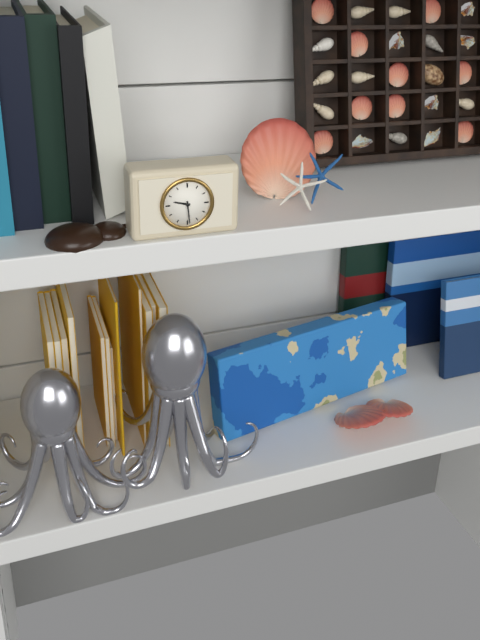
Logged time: 9,29
